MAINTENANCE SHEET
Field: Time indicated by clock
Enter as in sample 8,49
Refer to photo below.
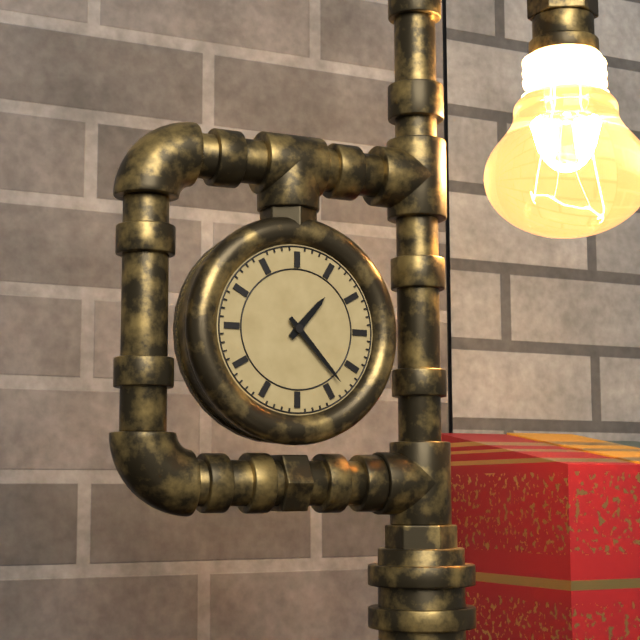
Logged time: 1,23
